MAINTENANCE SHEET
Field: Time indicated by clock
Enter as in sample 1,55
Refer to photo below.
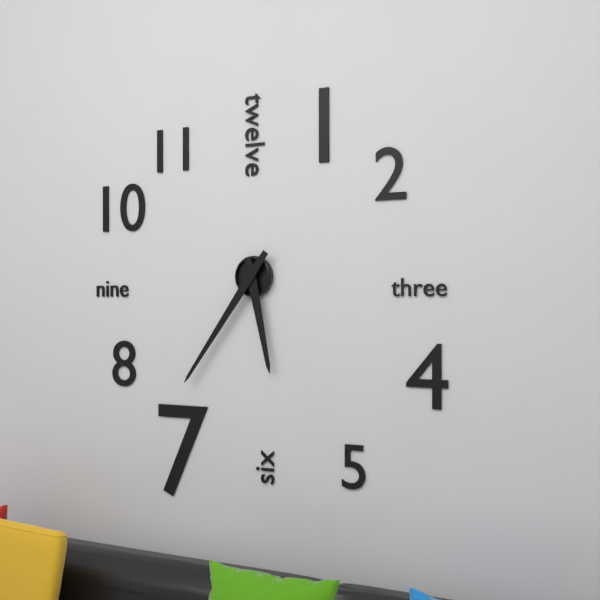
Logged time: 5,36
